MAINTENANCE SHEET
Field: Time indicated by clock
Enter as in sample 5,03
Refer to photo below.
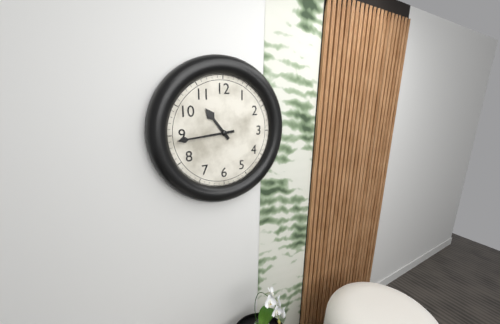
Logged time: 10,44
